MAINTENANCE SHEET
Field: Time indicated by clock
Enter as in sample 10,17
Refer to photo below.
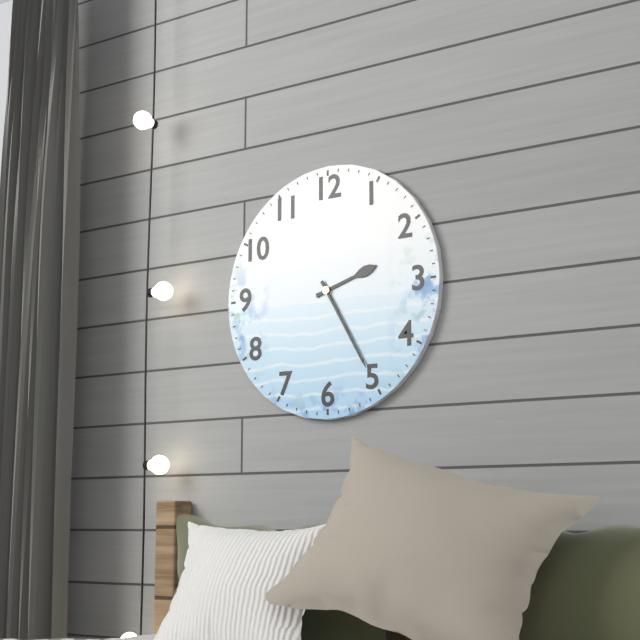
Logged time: 2,25
